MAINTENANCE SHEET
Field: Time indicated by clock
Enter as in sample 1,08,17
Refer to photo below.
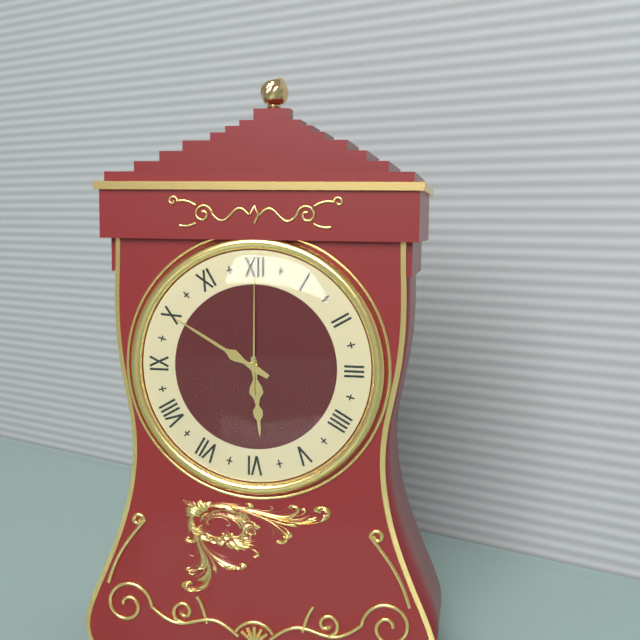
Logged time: 5,50,00
